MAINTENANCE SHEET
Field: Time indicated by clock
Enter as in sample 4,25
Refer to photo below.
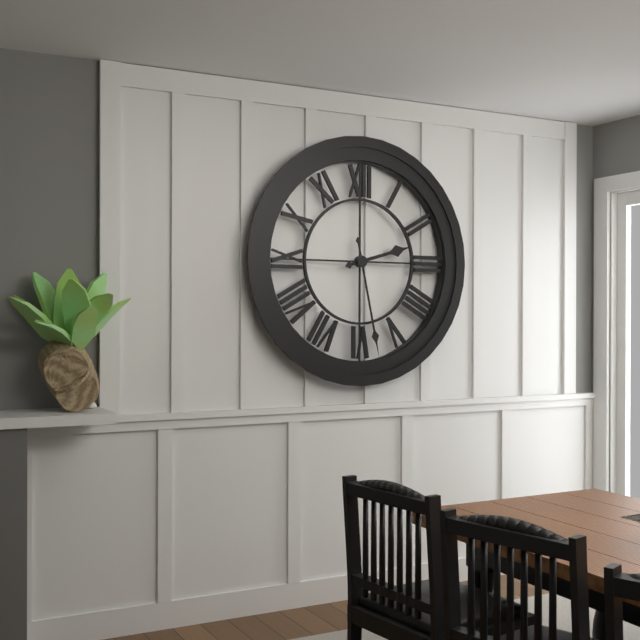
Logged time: 2,28
